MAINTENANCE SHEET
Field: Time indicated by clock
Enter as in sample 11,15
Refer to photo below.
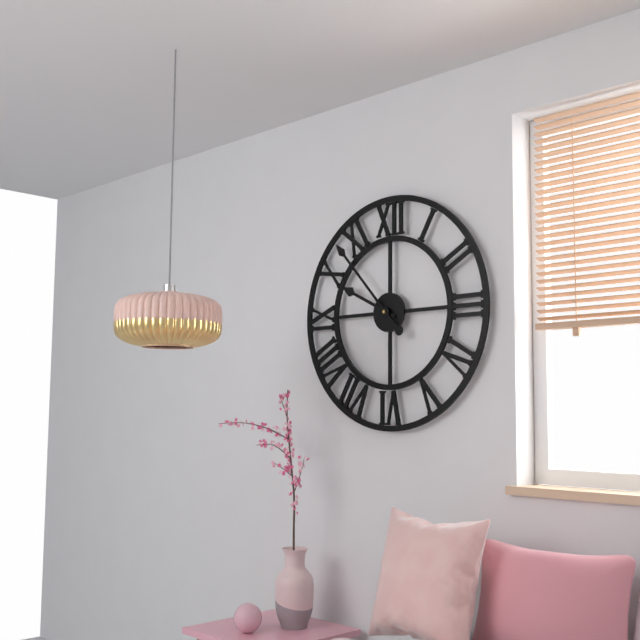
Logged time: 9,53
